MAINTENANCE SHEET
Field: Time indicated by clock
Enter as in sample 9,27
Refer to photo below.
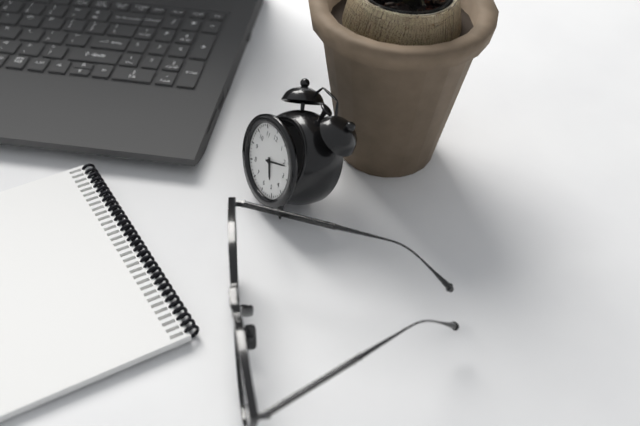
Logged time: 5,11
